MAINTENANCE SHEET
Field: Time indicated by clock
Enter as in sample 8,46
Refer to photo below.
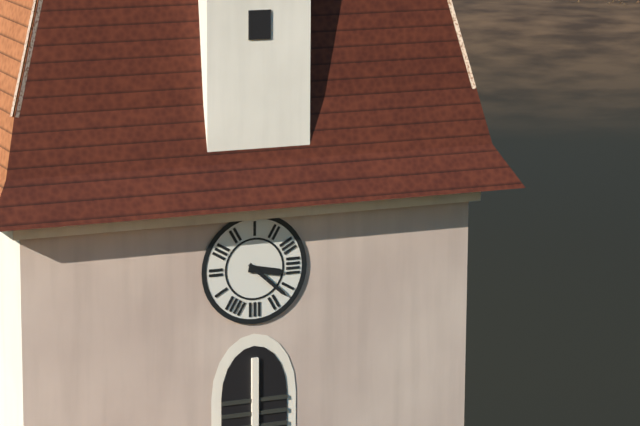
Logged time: 3,22
